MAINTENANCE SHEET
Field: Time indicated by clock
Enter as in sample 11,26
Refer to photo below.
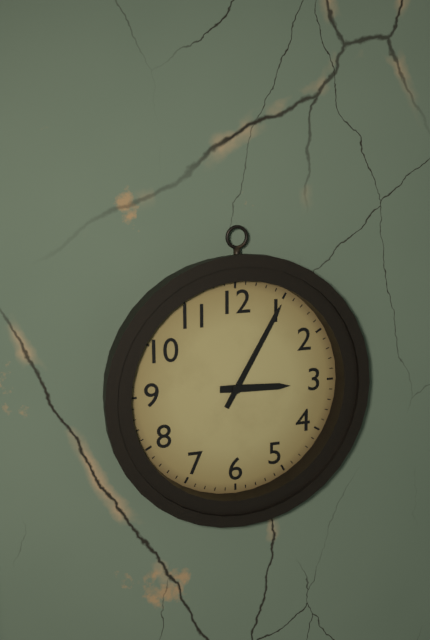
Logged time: 3,05
